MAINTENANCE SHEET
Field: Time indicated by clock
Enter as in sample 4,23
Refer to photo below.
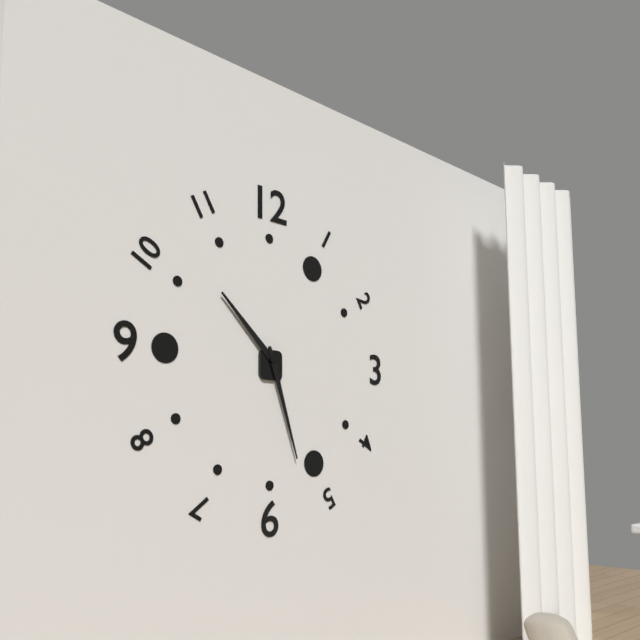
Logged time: 10,27
